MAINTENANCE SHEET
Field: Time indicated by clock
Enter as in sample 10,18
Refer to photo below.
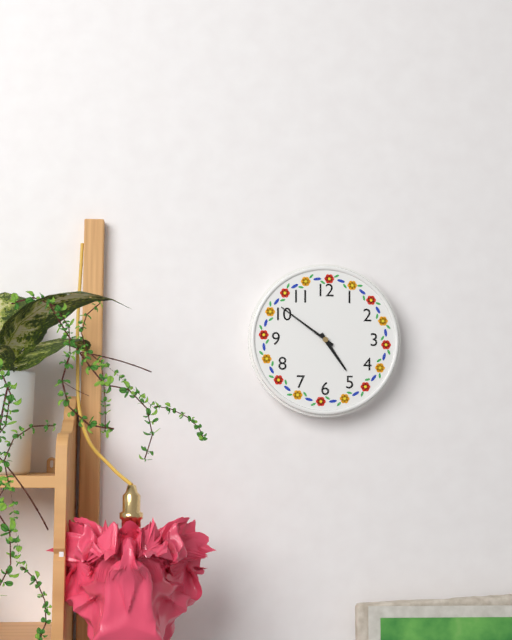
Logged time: 4,51
